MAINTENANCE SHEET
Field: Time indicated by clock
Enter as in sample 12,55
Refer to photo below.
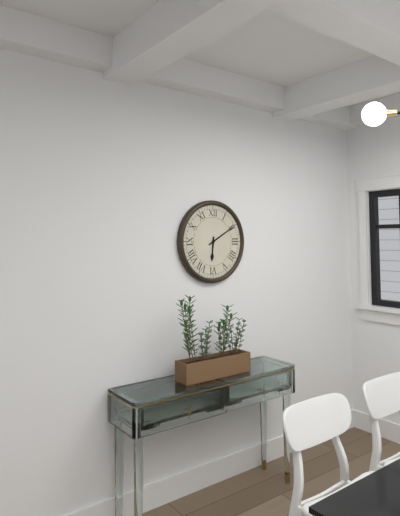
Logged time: 6,10
